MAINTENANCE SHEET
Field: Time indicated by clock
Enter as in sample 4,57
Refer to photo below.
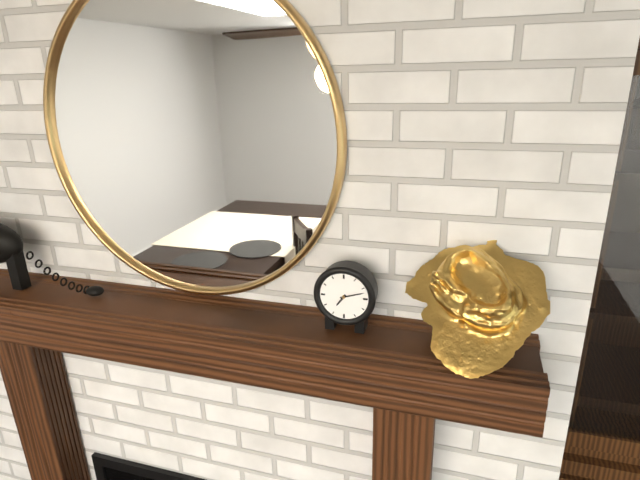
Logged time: 7,12
